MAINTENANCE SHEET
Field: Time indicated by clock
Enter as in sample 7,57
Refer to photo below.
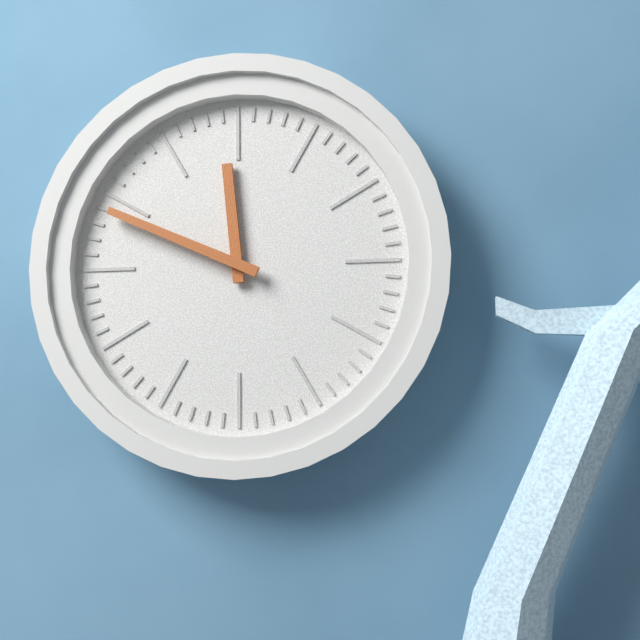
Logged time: 11,49
